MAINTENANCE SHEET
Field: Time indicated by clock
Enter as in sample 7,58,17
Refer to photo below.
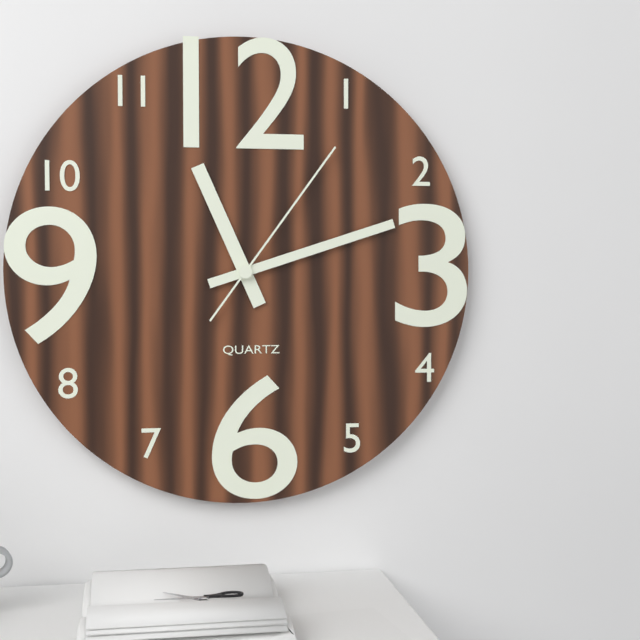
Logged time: 11,12,06
